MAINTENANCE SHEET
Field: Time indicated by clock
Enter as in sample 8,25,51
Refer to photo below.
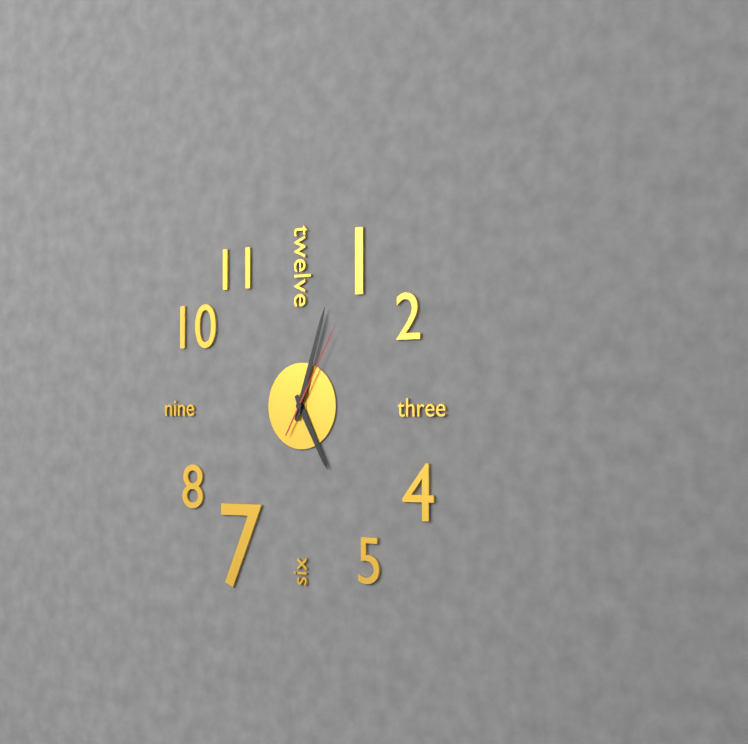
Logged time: 5,03,05
